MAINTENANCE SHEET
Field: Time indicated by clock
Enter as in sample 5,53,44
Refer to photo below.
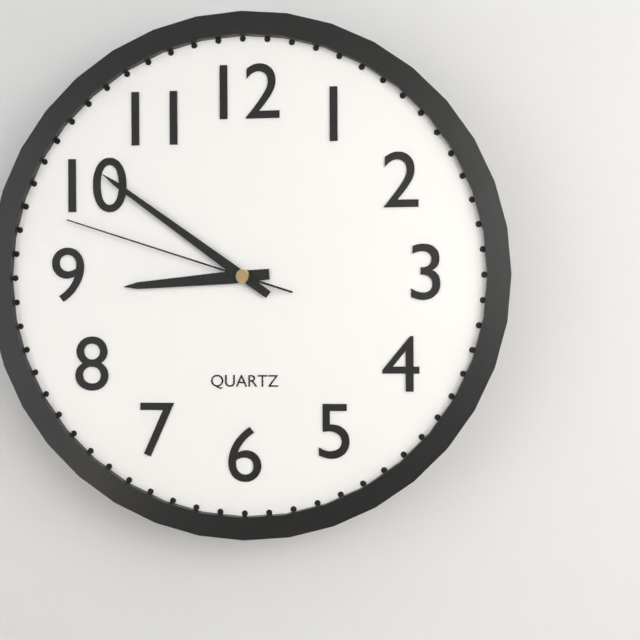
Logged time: 8,51,48
